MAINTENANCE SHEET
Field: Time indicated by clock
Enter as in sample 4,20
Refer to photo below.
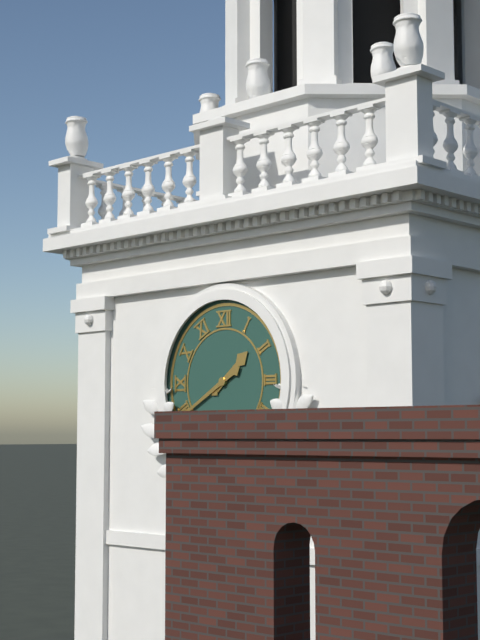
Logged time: 1,40
